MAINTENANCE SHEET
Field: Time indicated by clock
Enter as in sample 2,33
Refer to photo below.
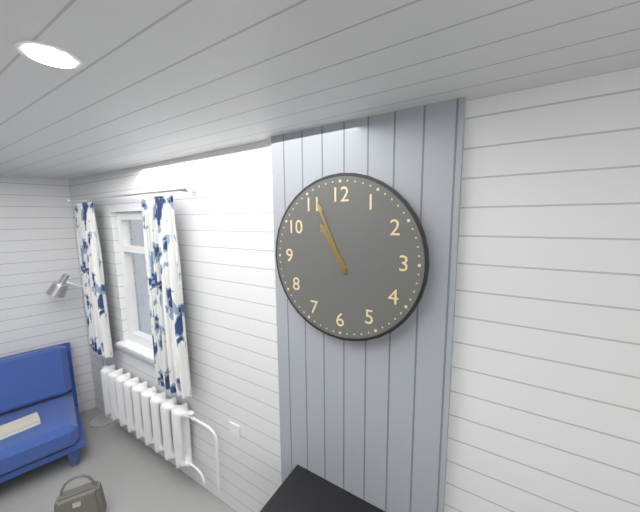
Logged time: 10,56
